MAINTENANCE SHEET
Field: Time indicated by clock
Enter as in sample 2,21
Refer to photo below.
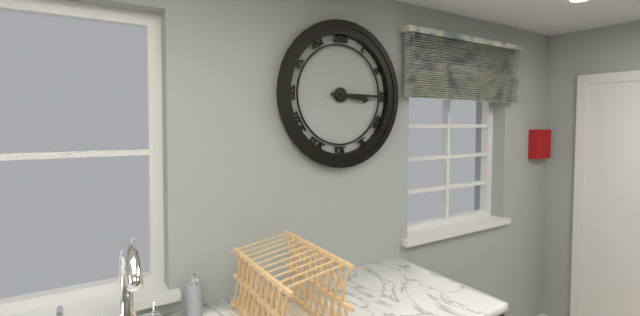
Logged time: 3,15
